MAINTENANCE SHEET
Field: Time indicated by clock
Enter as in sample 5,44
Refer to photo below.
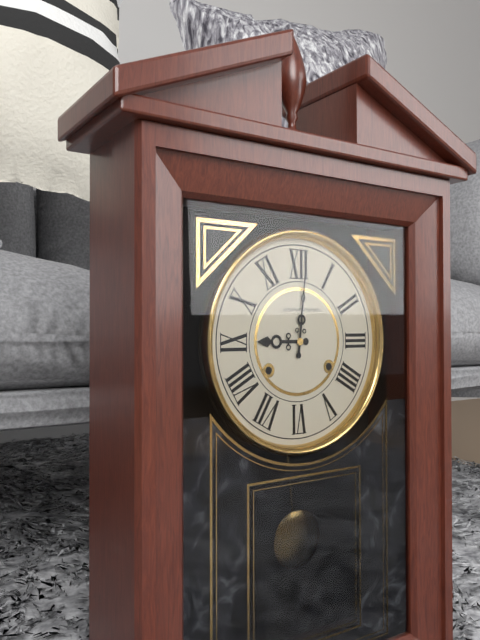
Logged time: 9,01
